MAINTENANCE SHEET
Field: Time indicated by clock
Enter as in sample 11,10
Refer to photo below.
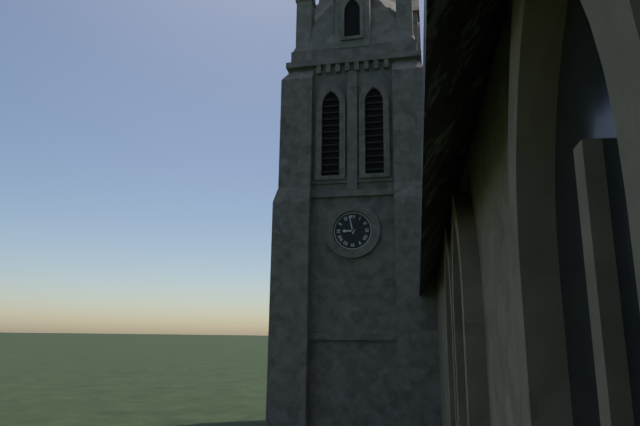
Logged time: 8,58
